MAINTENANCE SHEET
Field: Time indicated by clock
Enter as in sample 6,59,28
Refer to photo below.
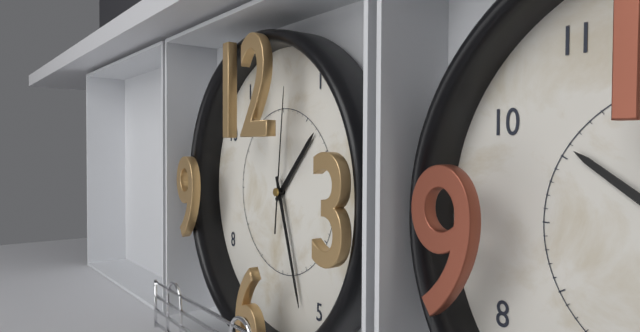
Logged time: 1,27,01
